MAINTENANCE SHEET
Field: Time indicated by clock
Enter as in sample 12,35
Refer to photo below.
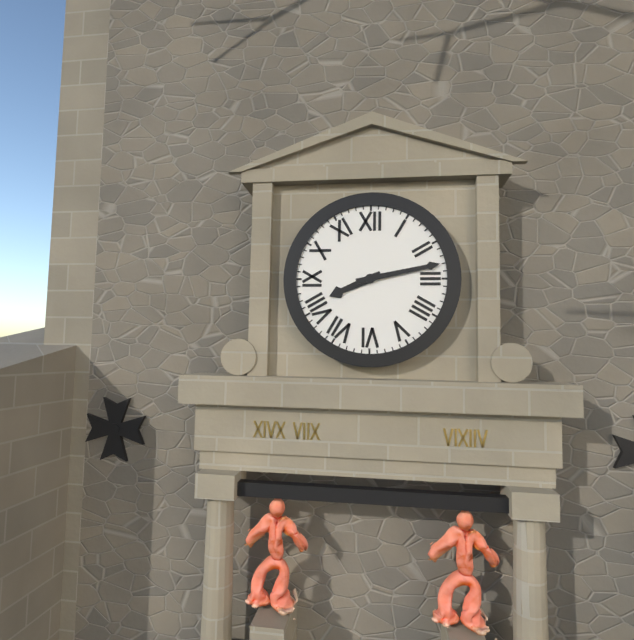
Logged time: 8,13
